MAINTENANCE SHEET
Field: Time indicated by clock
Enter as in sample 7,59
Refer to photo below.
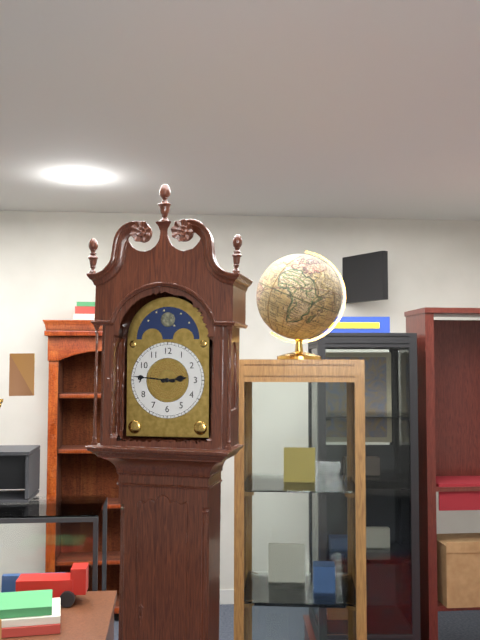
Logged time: 2,46
